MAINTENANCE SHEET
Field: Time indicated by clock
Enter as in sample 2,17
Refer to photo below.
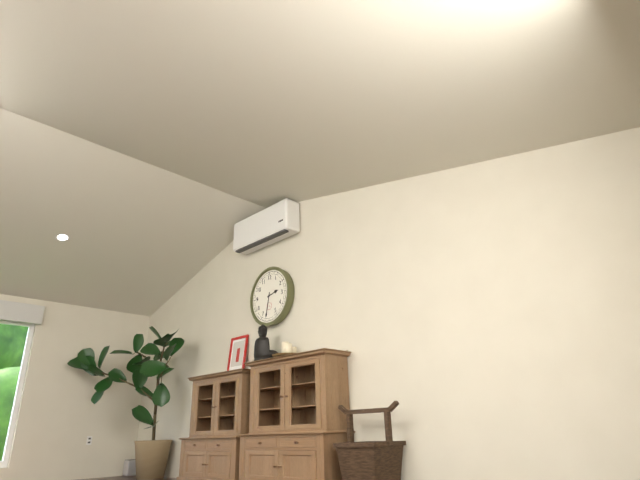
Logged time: 2,32
